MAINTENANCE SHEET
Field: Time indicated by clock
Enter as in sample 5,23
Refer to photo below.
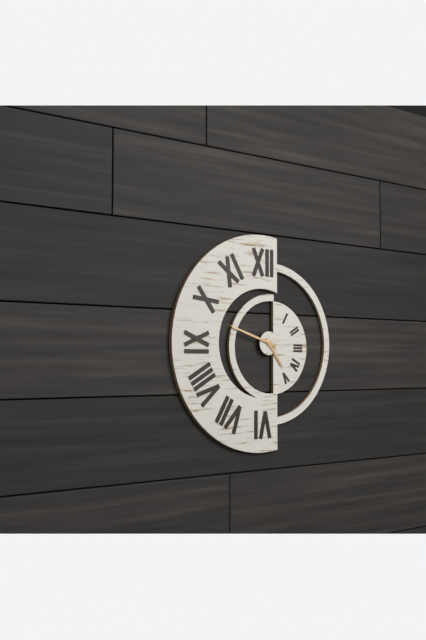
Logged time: 4,48
